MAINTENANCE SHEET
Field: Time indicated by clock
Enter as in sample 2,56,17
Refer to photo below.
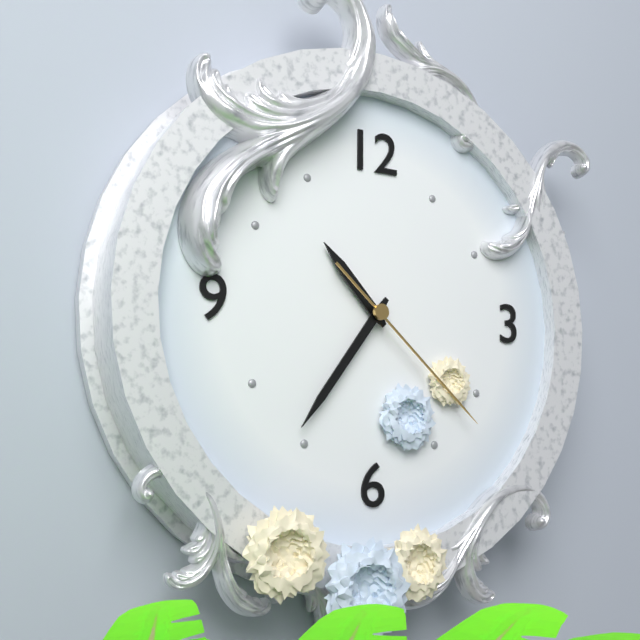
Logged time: 10,36,22
